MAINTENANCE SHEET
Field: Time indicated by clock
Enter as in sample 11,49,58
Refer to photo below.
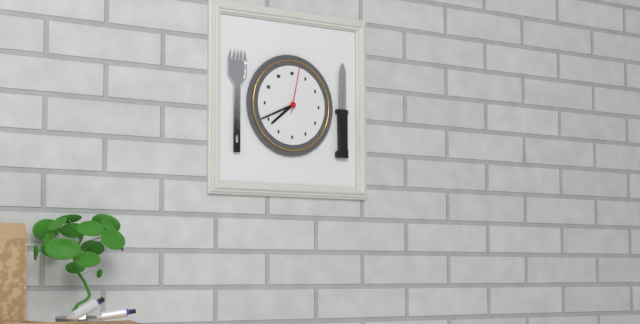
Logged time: 7,41,02
